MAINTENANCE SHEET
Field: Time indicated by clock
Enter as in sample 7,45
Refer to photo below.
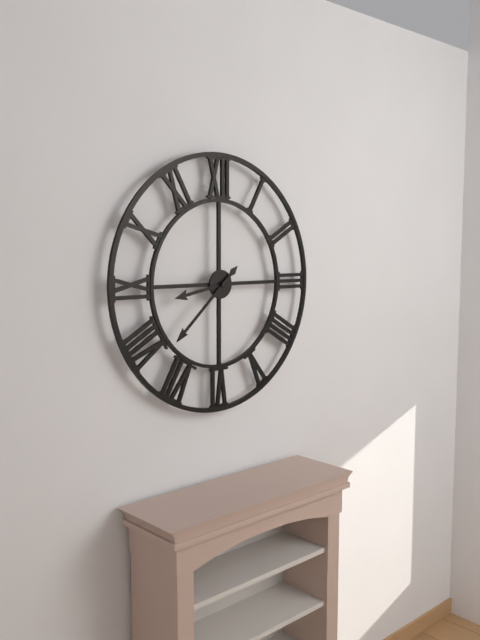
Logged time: 8,38
